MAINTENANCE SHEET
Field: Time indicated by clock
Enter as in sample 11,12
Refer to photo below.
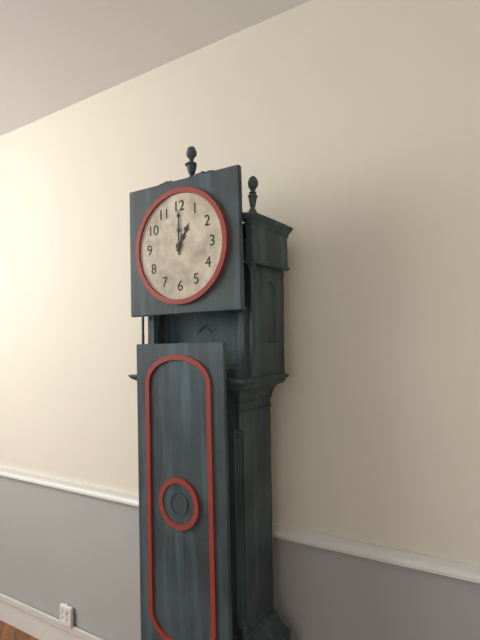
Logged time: 1,00
